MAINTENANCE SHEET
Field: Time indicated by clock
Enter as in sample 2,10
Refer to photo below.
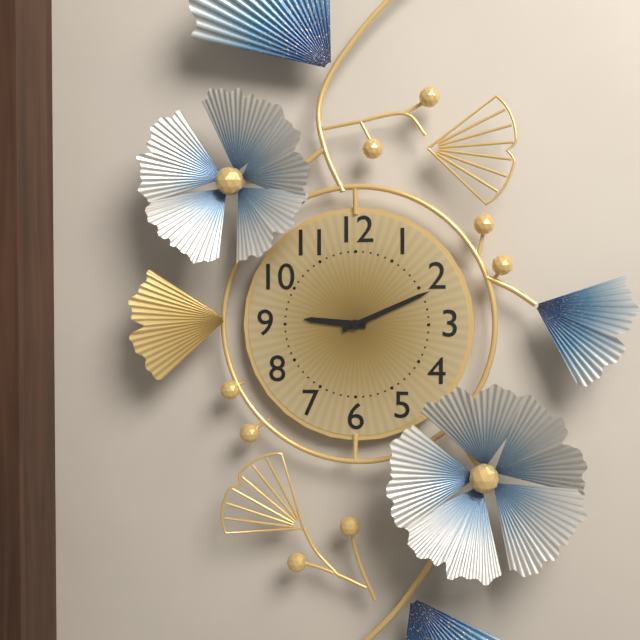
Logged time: 9,11
